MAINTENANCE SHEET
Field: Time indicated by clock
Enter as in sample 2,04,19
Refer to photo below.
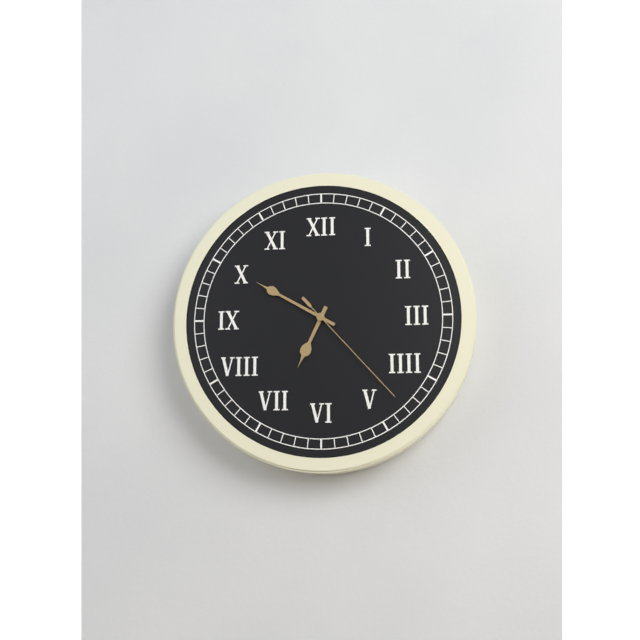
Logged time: 6,50,23
